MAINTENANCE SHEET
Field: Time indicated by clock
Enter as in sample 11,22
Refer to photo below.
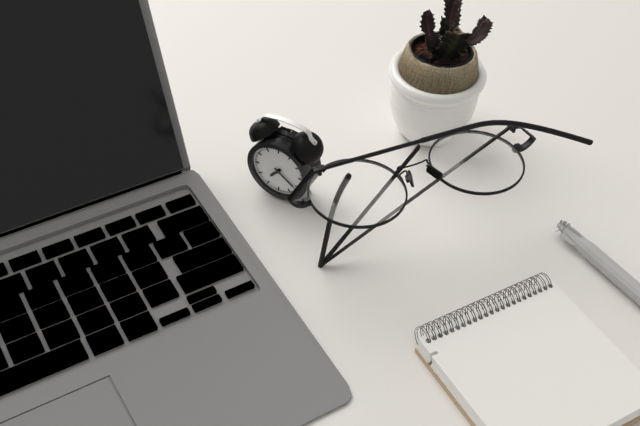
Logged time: 7,21
